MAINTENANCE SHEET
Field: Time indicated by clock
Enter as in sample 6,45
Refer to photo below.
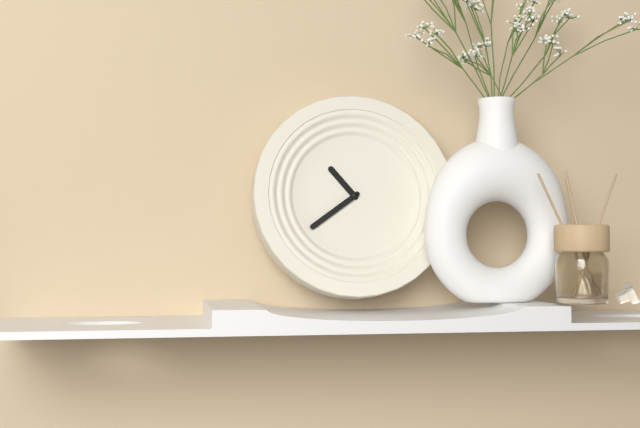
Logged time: 10,39
